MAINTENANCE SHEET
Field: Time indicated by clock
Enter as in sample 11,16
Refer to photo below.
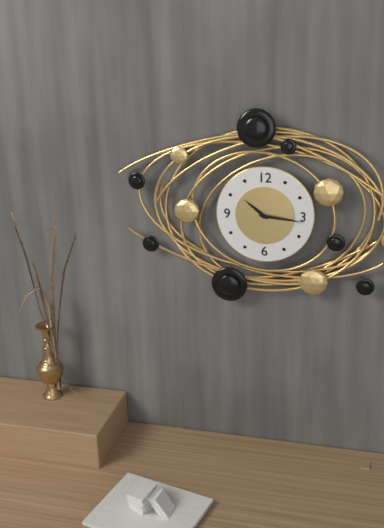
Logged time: 10,16
